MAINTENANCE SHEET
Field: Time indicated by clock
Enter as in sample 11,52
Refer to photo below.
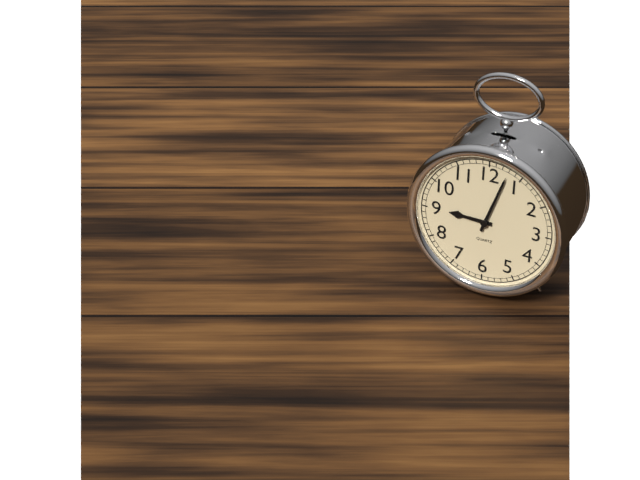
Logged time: 9,03
